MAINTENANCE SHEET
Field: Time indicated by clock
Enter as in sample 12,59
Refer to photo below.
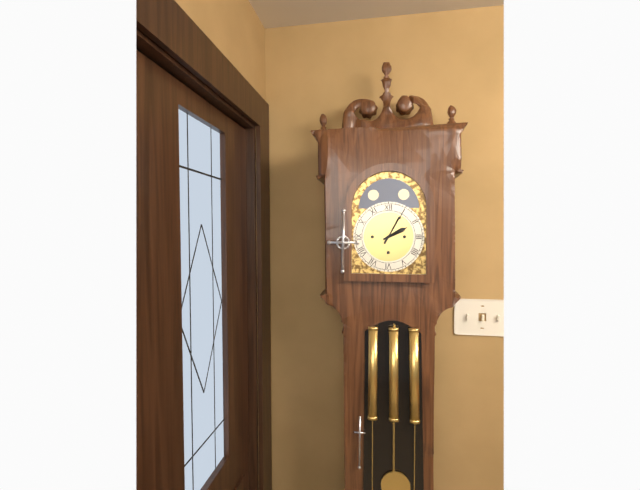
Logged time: 2,05
